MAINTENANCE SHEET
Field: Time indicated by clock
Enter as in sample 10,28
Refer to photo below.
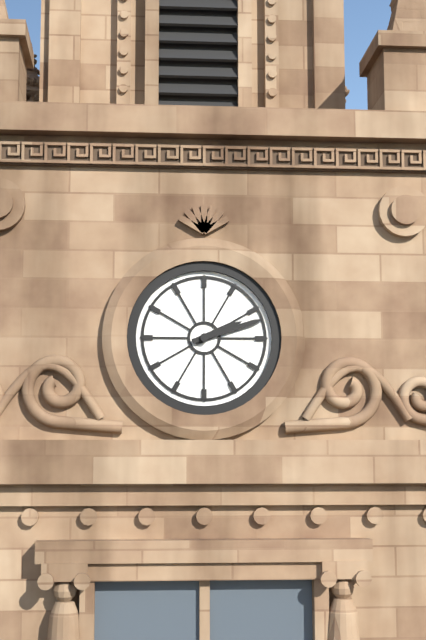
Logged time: 2,12
